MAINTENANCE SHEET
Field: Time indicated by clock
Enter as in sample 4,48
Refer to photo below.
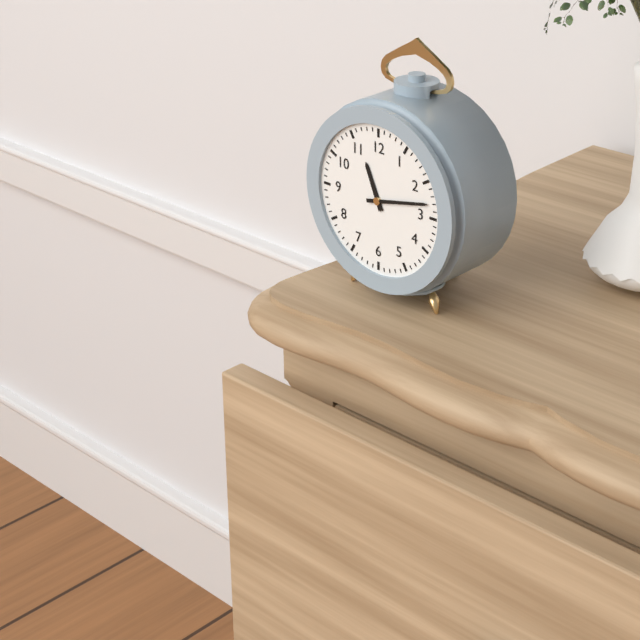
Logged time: 11,13
